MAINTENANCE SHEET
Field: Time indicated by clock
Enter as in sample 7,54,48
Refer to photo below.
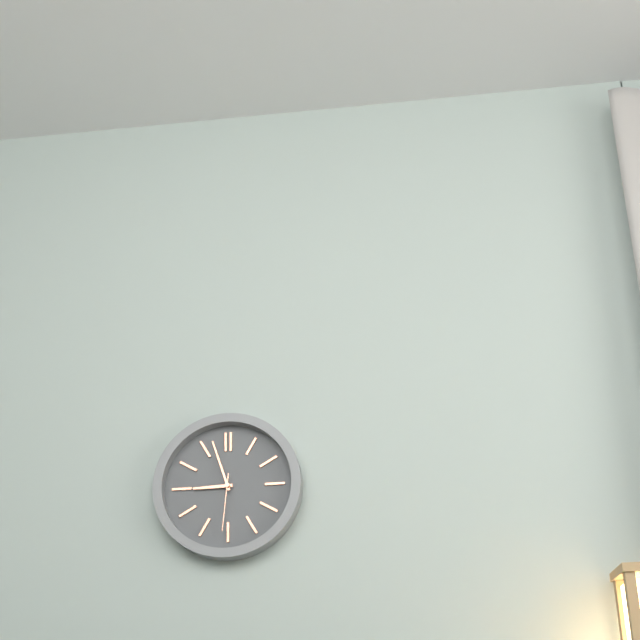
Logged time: 8,57,31
